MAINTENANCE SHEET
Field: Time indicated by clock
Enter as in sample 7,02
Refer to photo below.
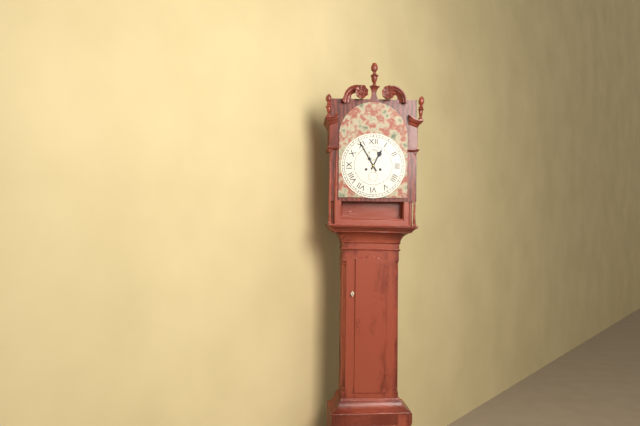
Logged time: 12,55
